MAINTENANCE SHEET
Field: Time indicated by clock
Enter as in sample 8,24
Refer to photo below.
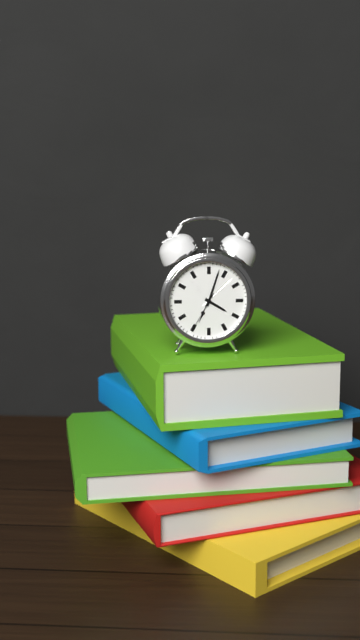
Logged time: 4,03
